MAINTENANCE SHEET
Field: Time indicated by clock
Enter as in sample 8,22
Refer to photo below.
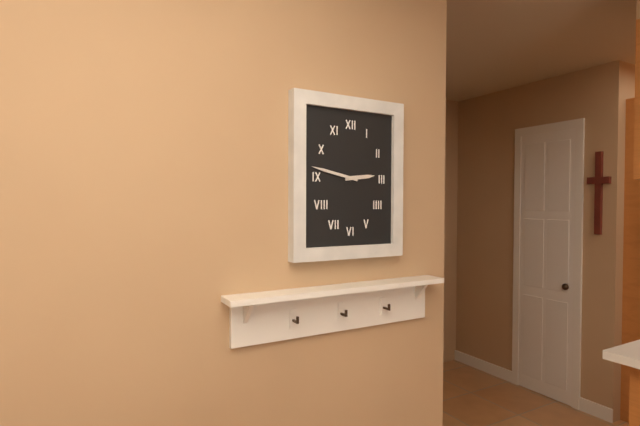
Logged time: 2,47
